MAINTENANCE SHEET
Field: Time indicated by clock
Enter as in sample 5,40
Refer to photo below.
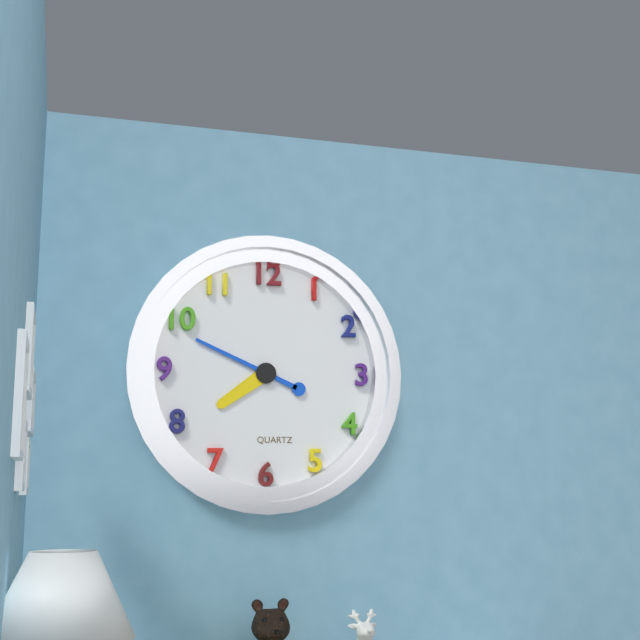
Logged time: 7,49
